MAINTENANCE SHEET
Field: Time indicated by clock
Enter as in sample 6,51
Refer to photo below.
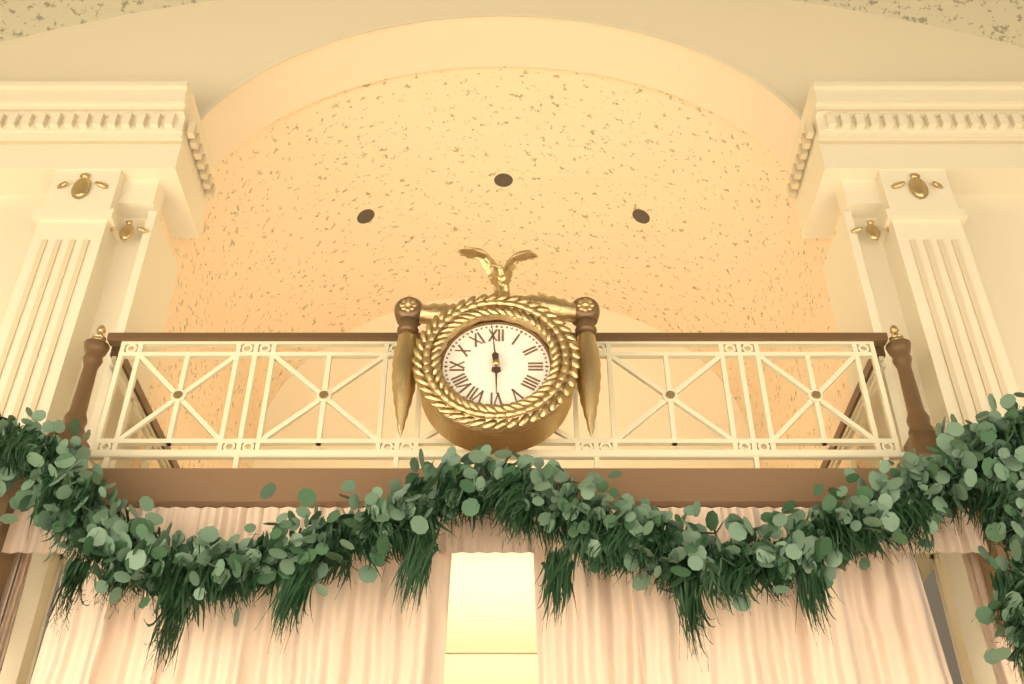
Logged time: 5,59
